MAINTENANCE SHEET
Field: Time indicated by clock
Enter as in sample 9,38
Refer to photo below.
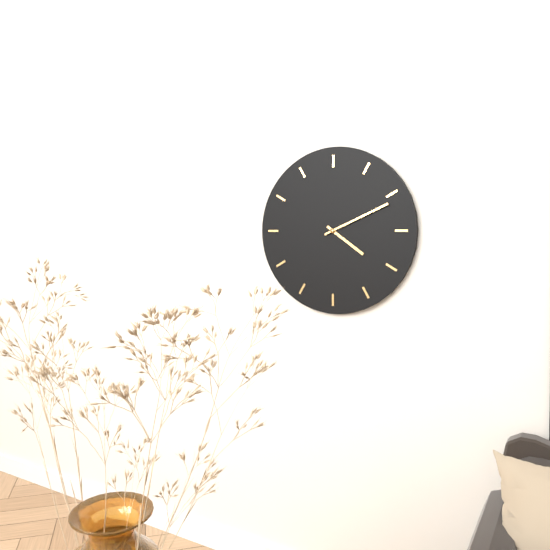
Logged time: 4,11
